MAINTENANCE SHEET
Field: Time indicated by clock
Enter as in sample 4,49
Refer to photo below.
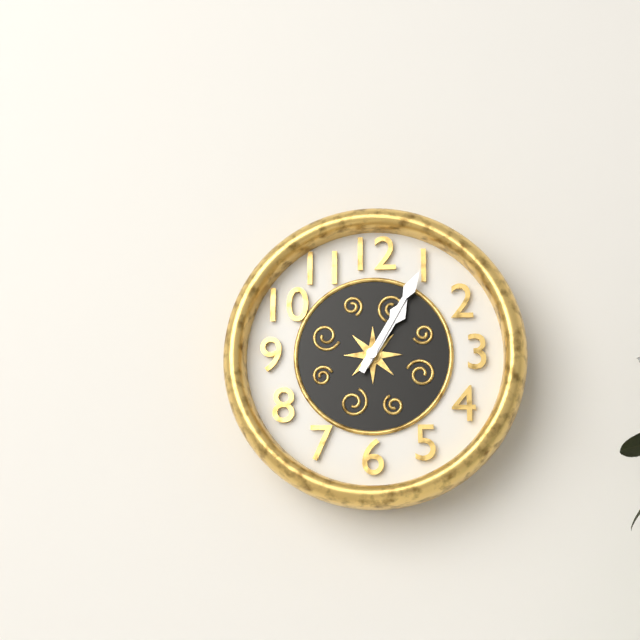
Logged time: 1,05
